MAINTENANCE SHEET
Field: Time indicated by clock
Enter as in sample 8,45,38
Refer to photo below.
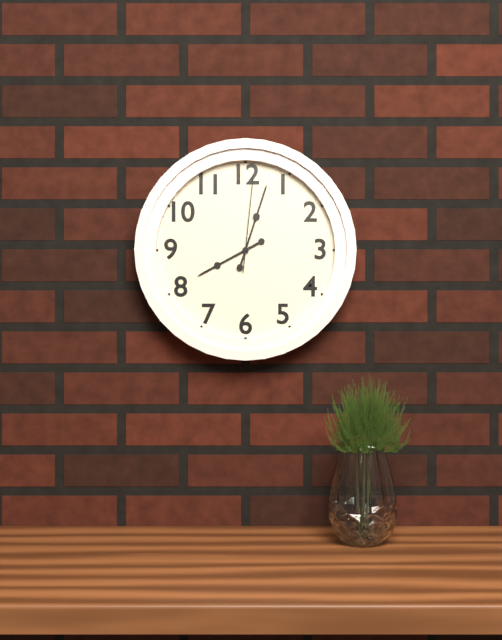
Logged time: 8,03,01
